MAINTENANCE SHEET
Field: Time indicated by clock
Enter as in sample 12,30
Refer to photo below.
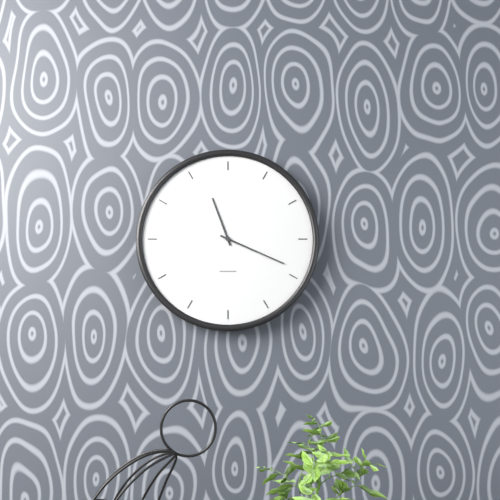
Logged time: 11,19
